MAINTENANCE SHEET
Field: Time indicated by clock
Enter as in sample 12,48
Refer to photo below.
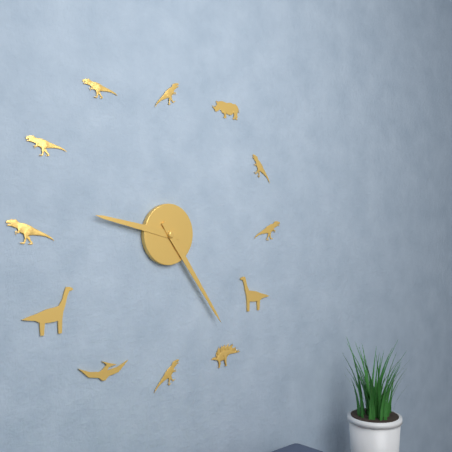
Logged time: 9,24
